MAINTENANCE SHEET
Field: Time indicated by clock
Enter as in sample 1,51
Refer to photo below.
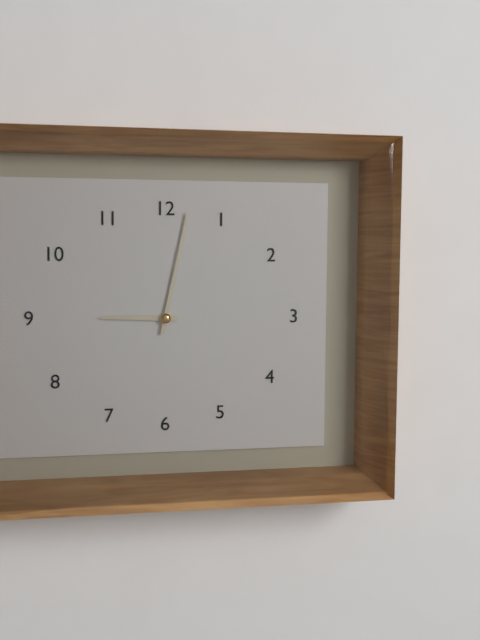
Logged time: 9,02
